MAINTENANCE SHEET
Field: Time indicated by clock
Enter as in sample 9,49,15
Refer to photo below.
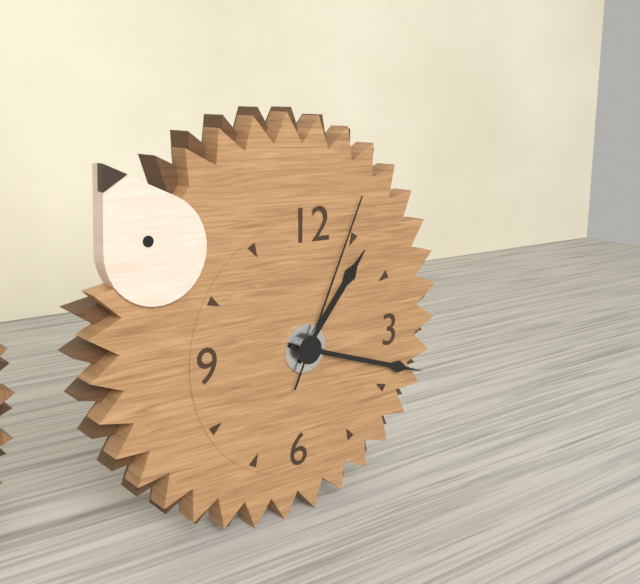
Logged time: 1,18,04
